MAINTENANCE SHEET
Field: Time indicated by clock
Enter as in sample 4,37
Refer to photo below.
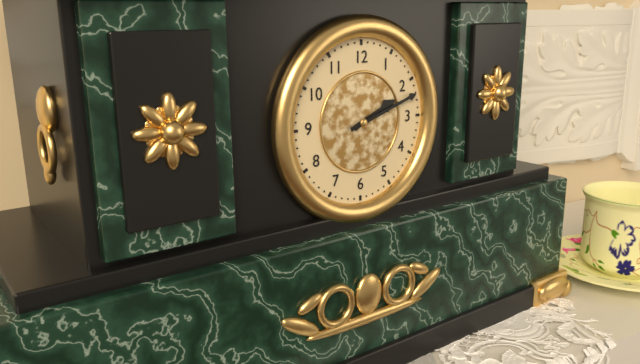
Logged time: 2,12
